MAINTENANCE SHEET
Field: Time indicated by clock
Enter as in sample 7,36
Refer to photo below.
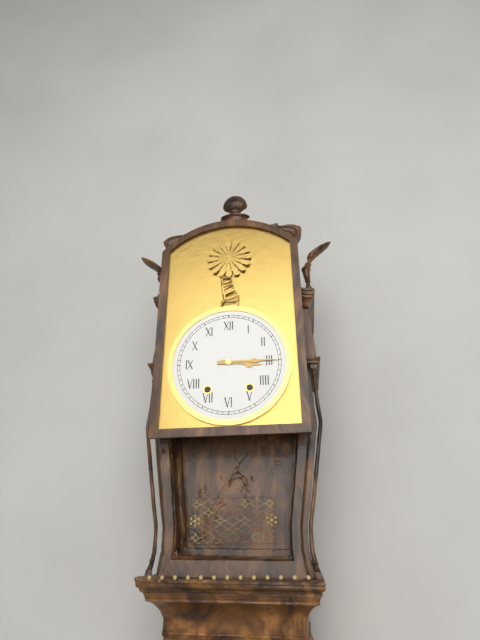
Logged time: 3,15
